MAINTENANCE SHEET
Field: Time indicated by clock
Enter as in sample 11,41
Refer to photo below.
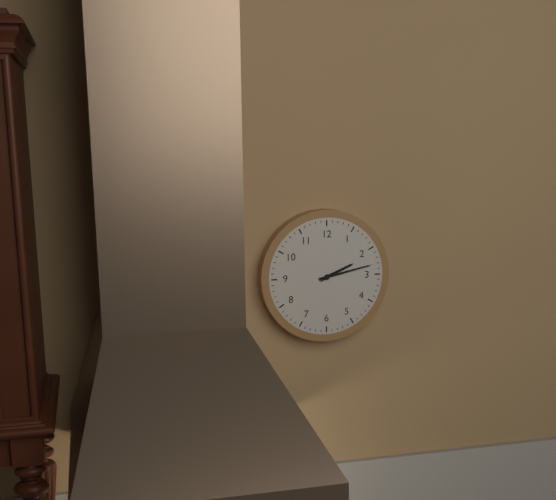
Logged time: 2,13
